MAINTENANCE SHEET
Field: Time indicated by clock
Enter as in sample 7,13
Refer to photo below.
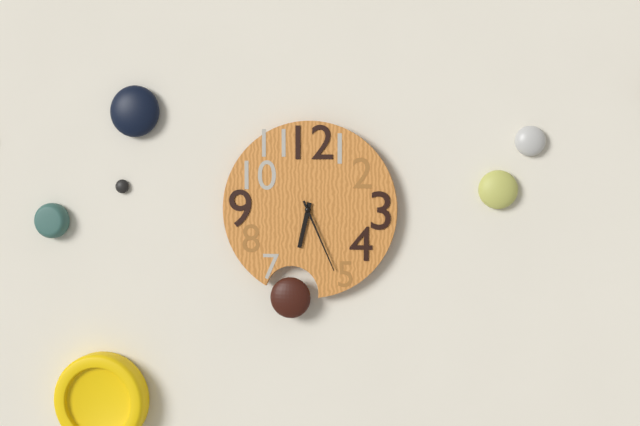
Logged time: 6,26
